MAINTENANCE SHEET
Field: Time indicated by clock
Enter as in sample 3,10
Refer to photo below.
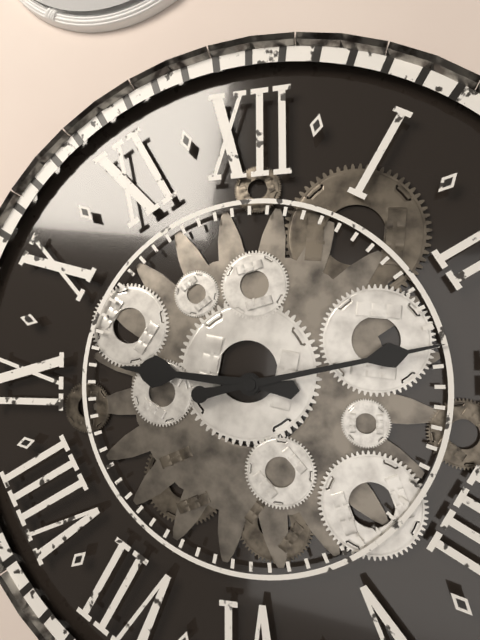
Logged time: 9,13
